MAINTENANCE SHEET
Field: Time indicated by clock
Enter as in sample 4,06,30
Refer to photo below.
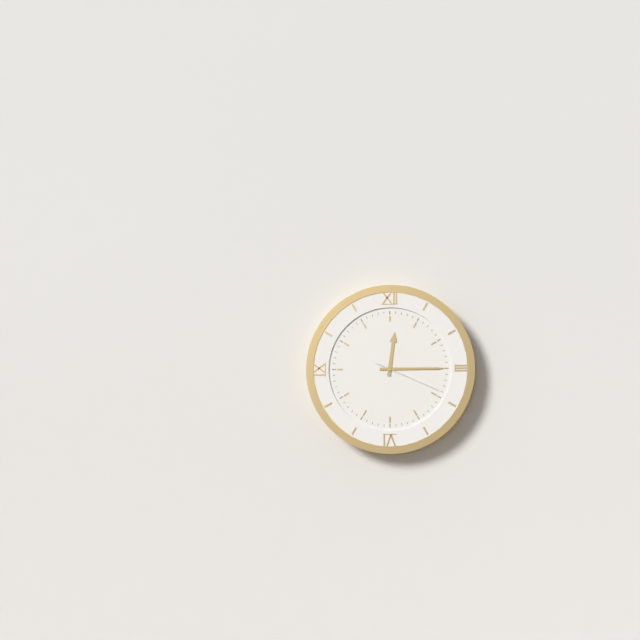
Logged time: 12,15,19
